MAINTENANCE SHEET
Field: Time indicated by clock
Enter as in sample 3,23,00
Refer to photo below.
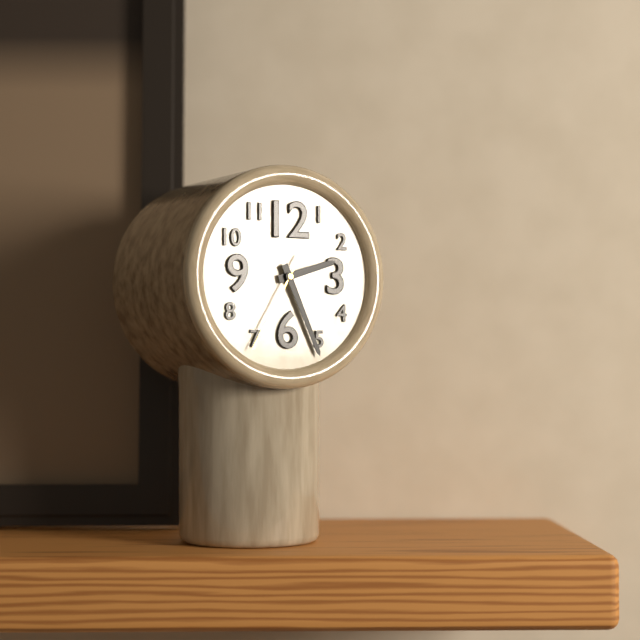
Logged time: 2,26,35
